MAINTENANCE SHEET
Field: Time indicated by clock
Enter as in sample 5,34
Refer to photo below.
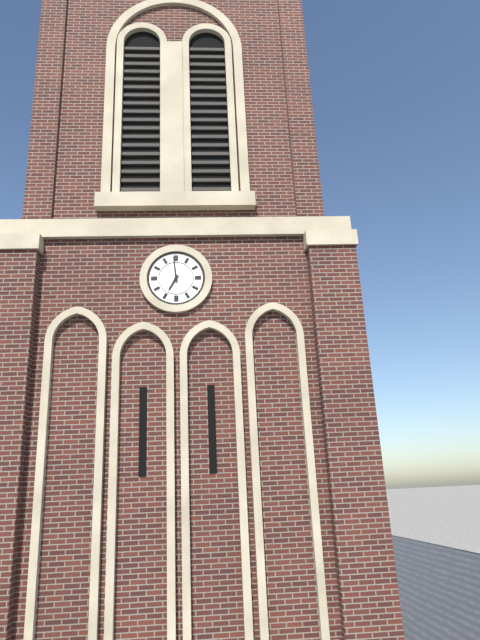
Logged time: 6,59
